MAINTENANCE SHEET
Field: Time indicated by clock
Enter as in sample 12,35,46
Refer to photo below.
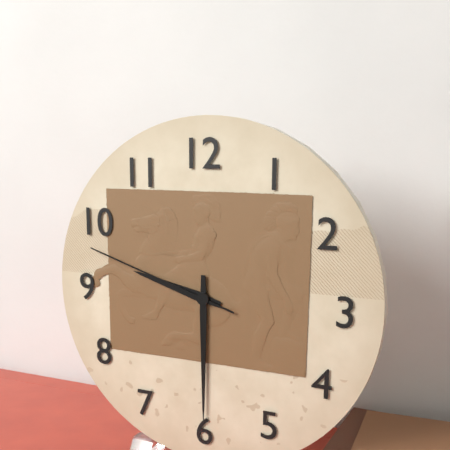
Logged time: 9,30,48
